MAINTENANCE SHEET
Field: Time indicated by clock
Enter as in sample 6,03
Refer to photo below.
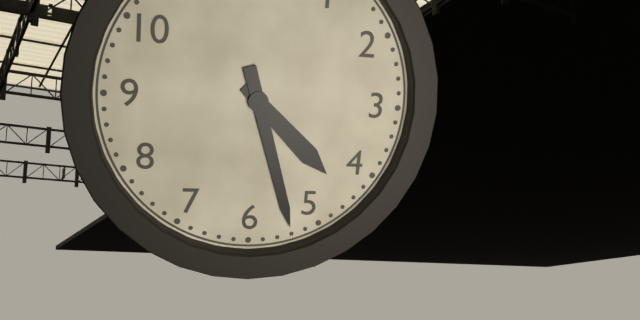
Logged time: 4,27
